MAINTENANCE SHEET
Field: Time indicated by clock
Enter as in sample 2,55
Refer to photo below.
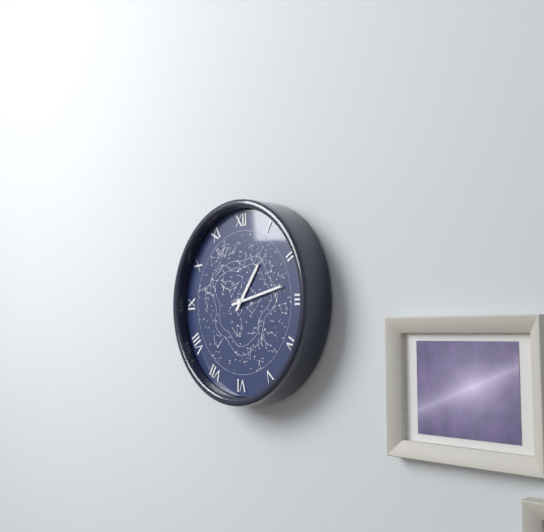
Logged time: 1,13
